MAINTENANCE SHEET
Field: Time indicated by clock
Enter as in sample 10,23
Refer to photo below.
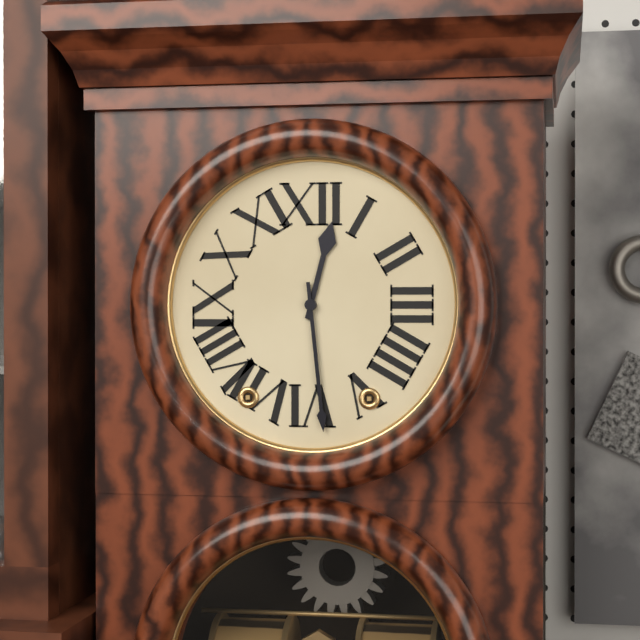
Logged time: 12,29
